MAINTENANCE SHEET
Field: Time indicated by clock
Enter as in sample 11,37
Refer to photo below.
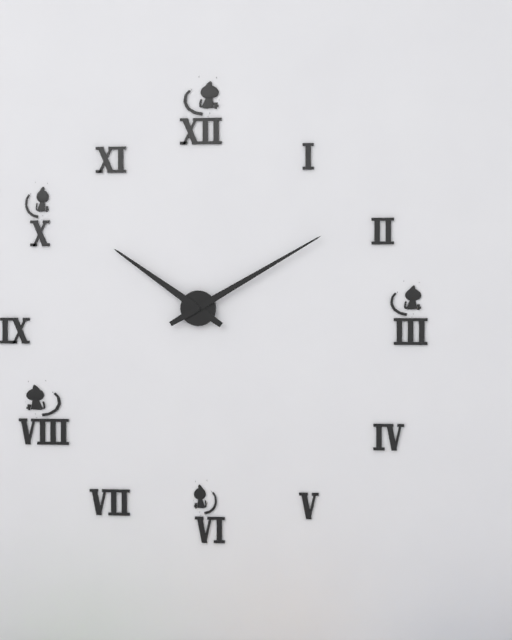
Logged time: 10,10
